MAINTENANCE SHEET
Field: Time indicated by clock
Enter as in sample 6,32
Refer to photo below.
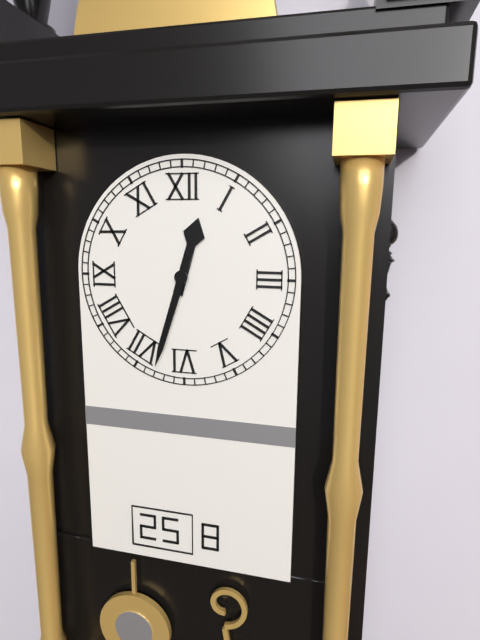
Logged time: 12,33
